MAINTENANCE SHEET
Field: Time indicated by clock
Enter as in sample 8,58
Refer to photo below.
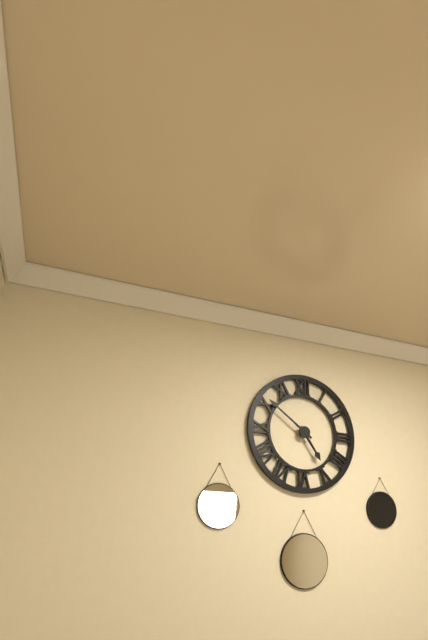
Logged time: 4,51
